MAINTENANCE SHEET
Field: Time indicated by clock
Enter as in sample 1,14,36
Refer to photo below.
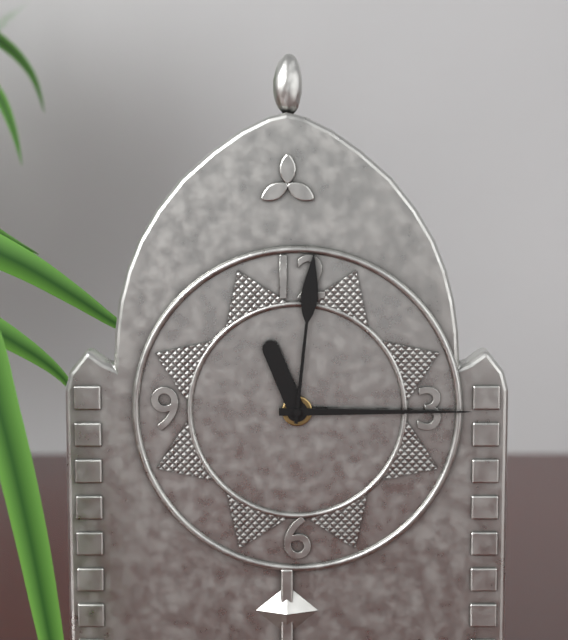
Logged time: 11,15,01
